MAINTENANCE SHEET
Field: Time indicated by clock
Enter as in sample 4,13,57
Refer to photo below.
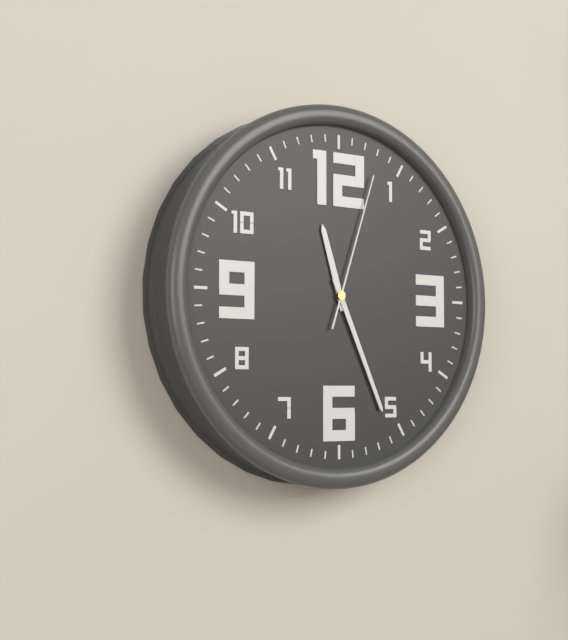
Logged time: 11,26,03
